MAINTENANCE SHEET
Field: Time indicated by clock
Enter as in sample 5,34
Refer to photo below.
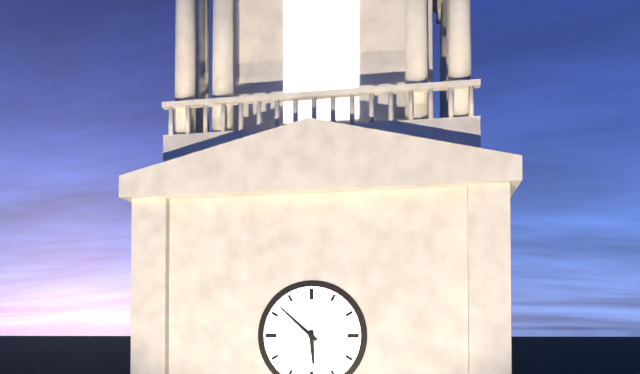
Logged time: 5,52
